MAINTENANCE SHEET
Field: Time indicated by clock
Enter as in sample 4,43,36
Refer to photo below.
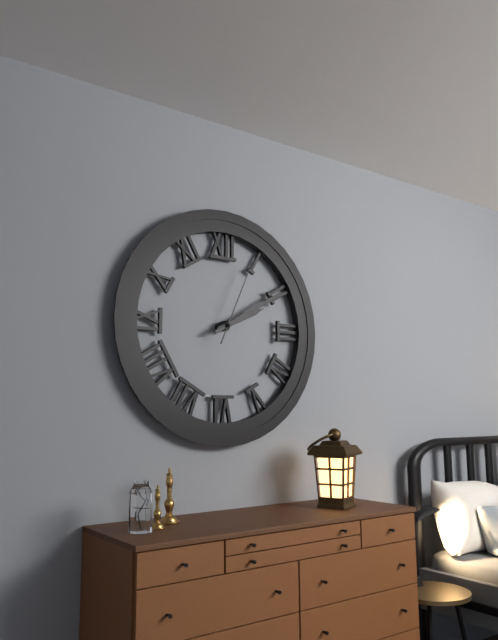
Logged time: 2,10,04
